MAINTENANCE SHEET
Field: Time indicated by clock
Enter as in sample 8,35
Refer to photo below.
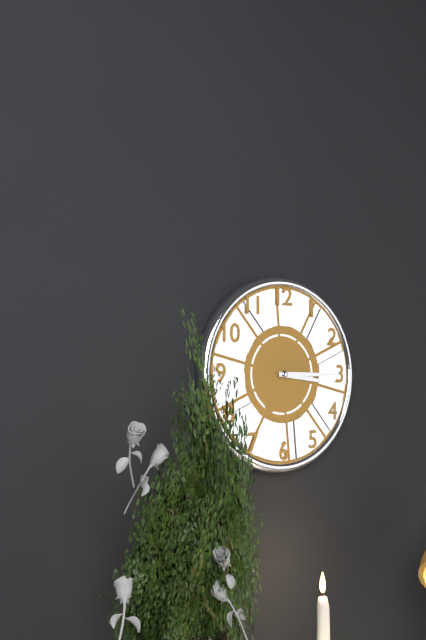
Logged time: 3,15
